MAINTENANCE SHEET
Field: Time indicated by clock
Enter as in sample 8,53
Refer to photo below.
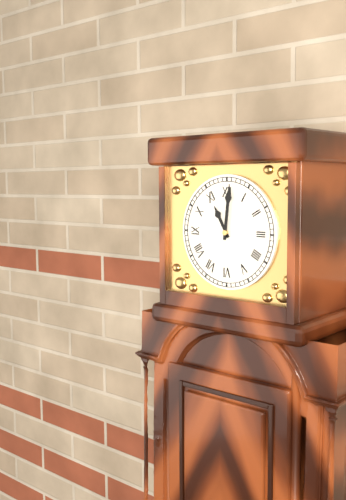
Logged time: 11,01
